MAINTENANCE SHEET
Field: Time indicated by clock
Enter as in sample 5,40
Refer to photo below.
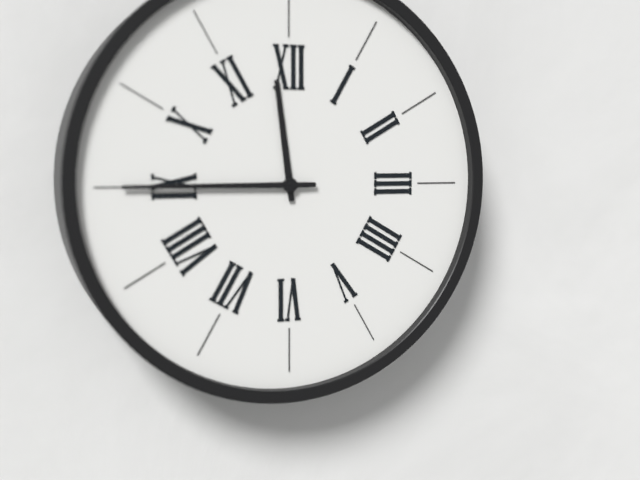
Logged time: 11,45
